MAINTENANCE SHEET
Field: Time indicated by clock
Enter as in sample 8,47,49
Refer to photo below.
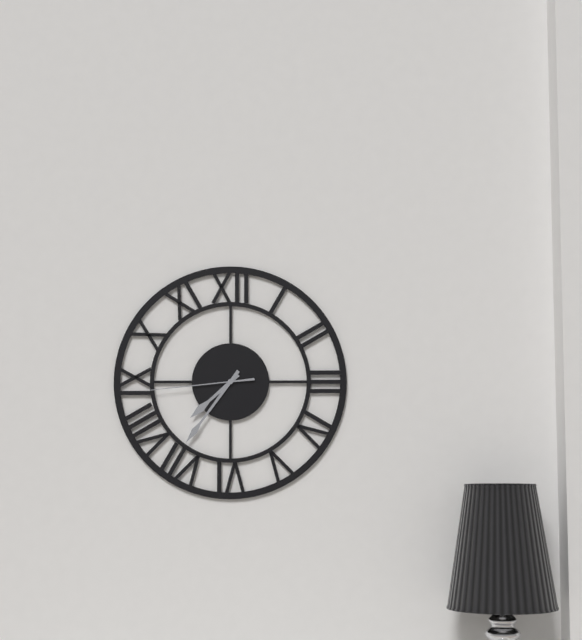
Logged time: 7,36,44
